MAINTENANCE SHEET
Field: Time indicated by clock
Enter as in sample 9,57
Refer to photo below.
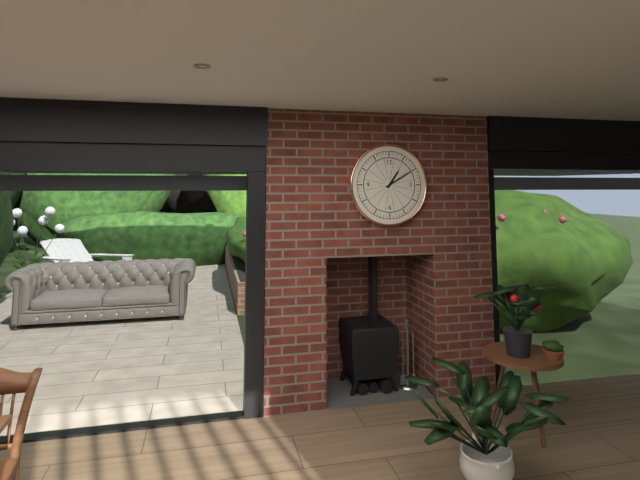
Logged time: 1,10
